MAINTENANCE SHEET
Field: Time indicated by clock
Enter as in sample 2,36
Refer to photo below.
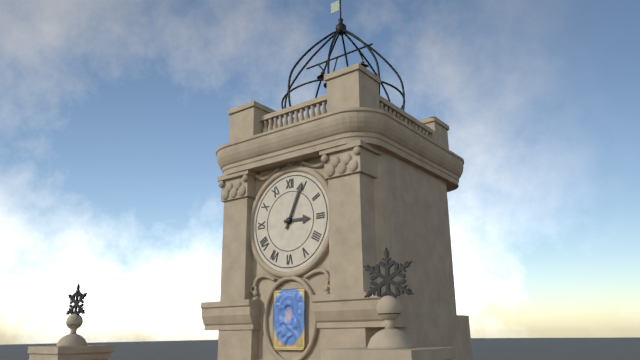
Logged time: 3,04
